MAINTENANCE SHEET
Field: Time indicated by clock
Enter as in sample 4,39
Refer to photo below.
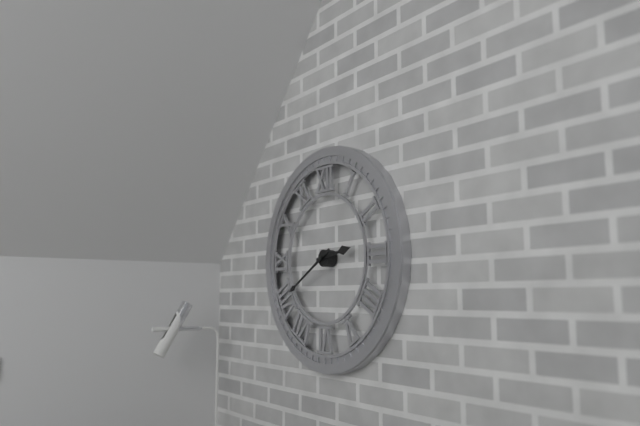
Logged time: 2,40
